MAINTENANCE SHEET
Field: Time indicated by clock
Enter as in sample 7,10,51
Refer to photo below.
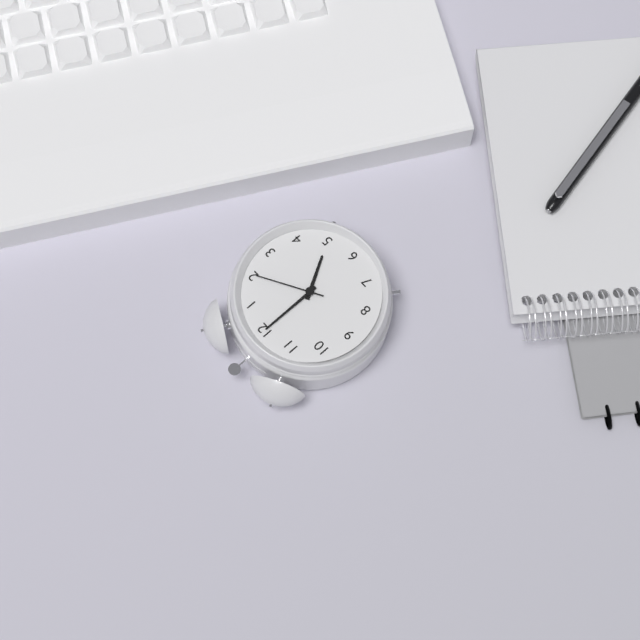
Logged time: 5,00,10
